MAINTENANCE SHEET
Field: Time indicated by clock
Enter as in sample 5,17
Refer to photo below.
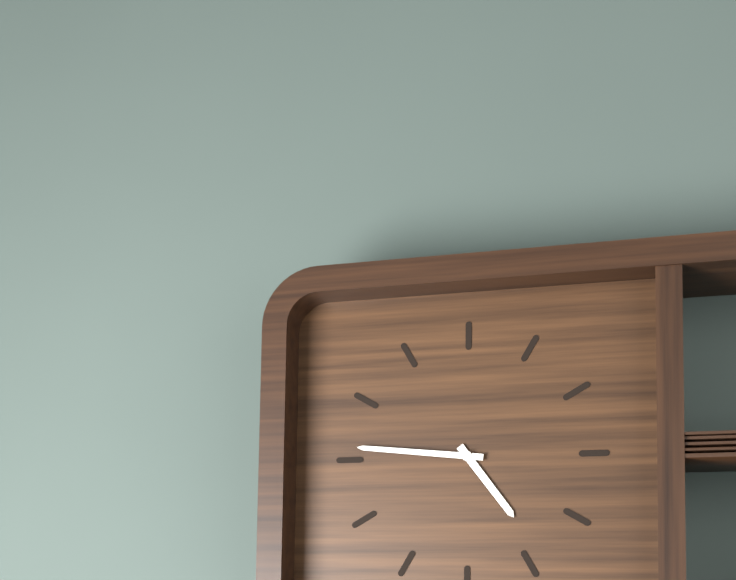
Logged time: 4,46
